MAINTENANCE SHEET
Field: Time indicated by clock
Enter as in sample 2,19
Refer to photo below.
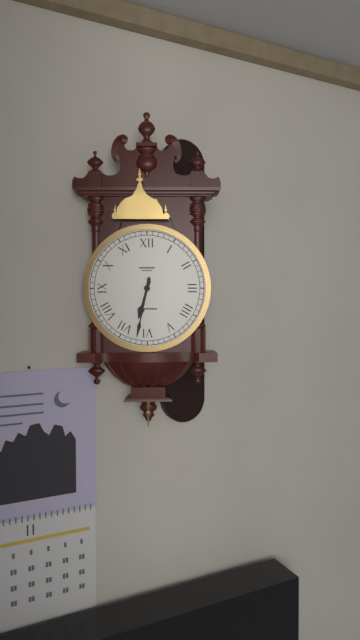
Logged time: 6,32
